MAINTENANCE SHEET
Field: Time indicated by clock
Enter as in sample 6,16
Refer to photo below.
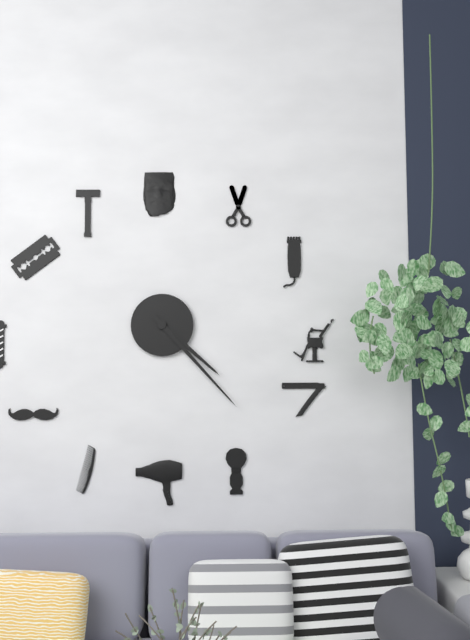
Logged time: 4,23
